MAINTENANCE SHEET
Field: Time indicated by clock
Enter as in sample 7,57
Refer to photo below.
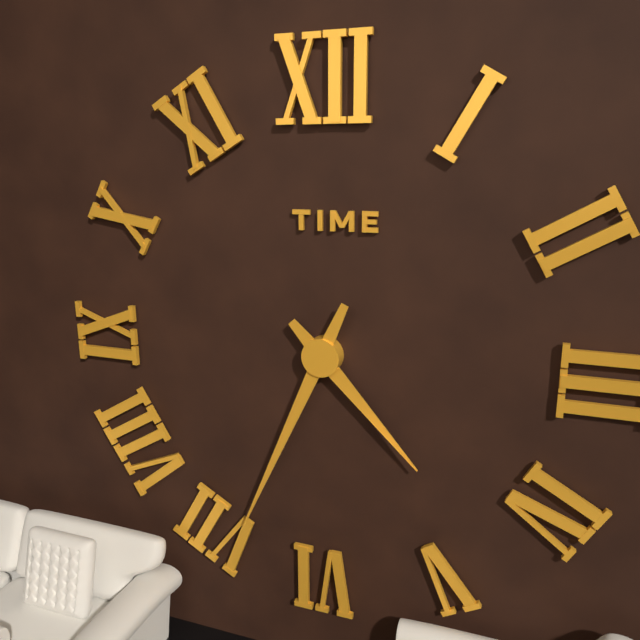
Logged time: 4,34
